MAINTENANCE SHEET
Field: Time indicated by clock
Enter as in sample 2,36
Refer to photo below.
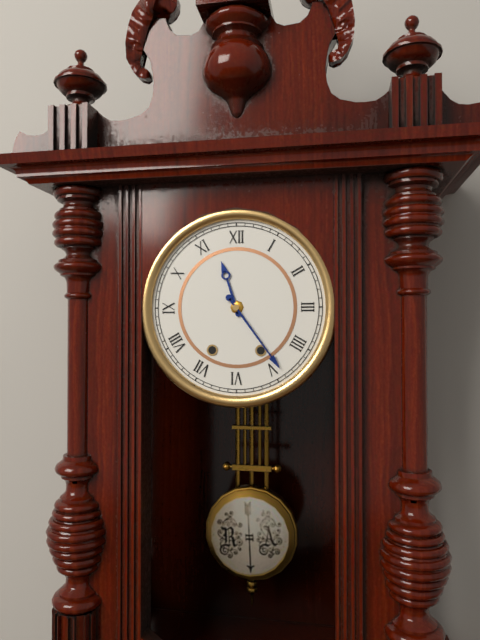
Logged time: 11,24
